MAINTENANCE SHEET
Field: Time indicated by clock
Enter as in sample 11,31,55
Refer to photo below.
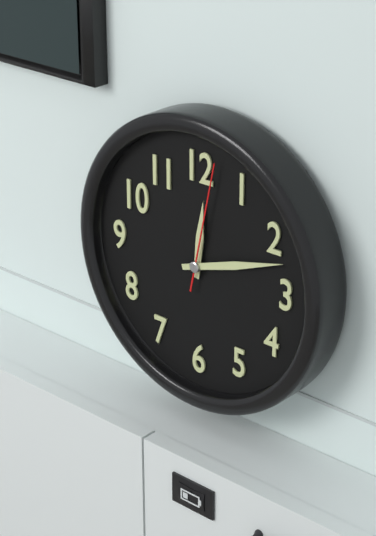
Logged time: 12,12,02
